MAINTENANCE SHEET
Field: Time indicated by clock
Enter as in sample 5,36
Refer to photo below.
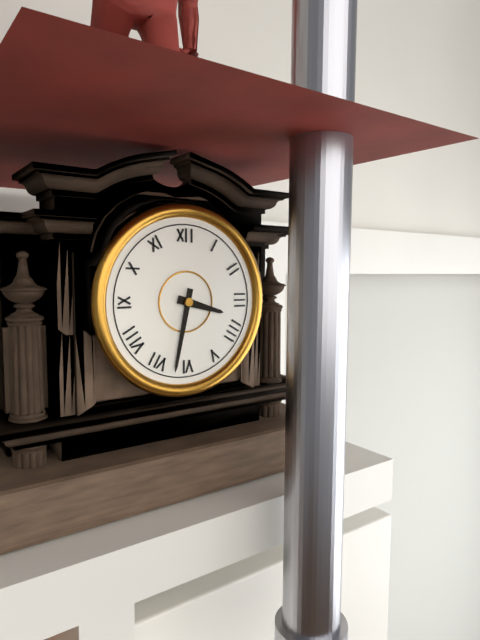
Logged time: 3,32
